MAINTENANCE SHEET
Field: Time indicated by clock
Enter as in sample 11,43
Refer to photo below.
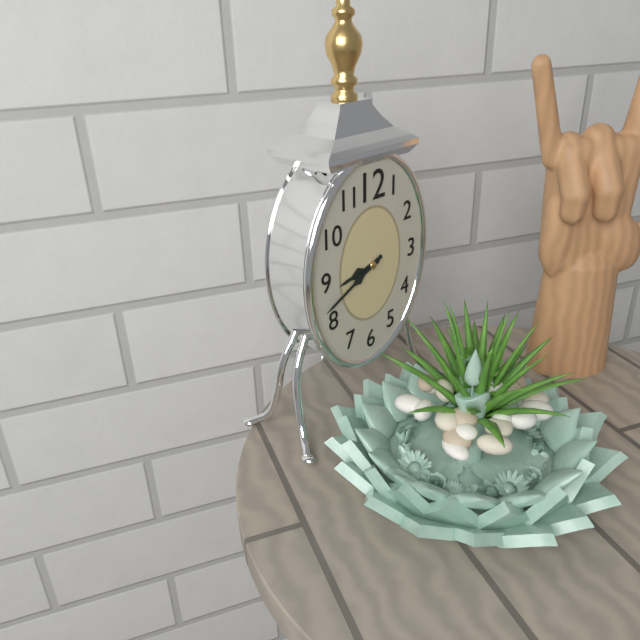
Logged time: 8,41
